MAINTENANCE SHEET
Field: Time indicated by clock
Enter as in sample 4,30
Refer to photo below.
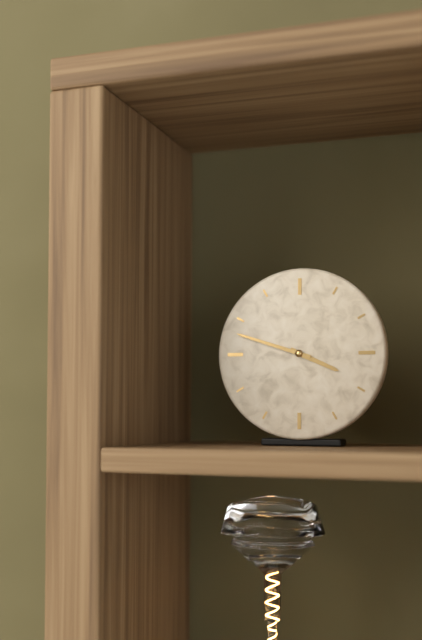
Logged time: 3,48
